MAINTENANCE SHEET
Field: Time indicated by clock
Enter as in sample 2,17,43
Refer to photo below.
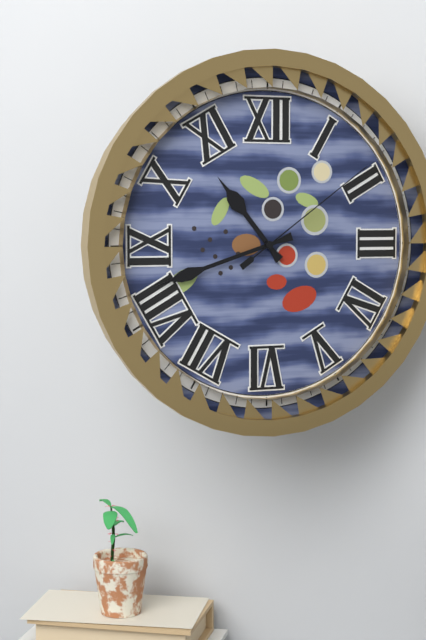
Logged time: 10,42,09
